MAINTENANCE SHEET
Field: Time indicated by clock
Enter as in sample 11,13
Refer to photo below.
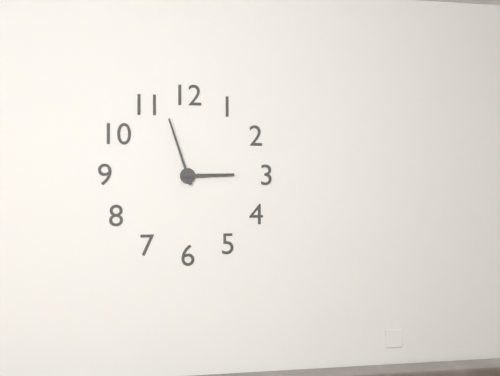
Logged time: 2,57
